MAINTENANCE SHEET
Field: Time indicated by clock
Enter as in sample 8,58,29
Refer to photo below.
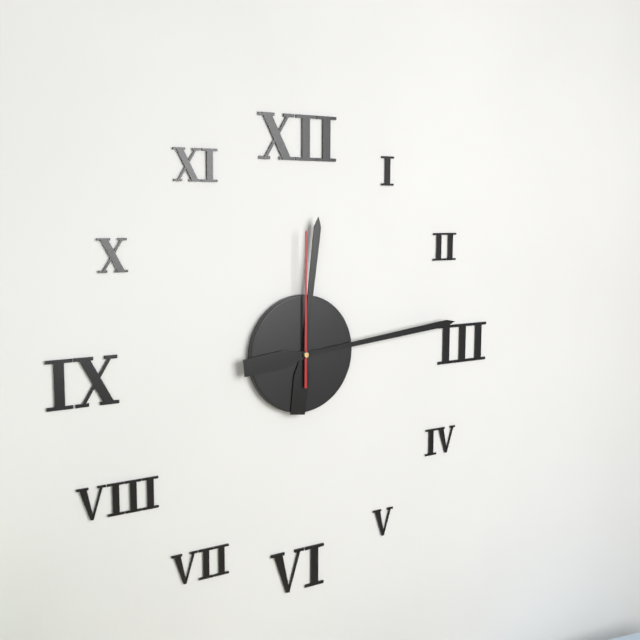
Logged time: 12,14,00
